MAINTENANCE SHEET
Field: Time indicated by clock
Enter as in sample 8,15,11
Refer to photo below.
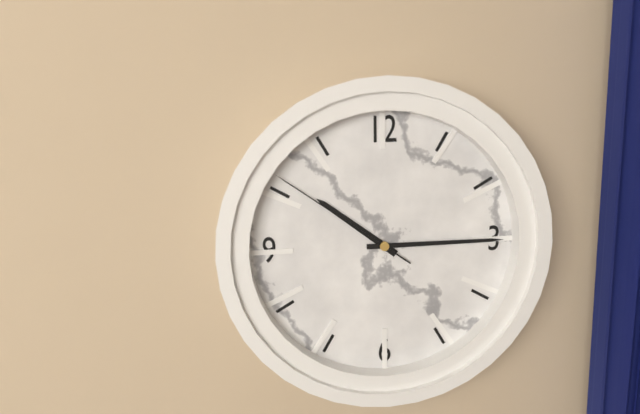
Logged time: 10,15,51
